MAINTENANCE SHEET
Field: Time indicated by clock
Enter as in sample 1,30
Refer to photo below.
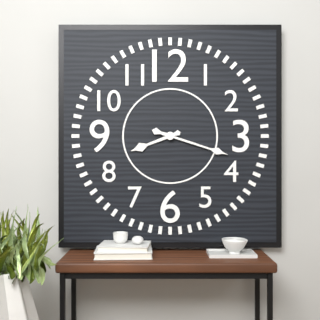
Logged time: 8,18
